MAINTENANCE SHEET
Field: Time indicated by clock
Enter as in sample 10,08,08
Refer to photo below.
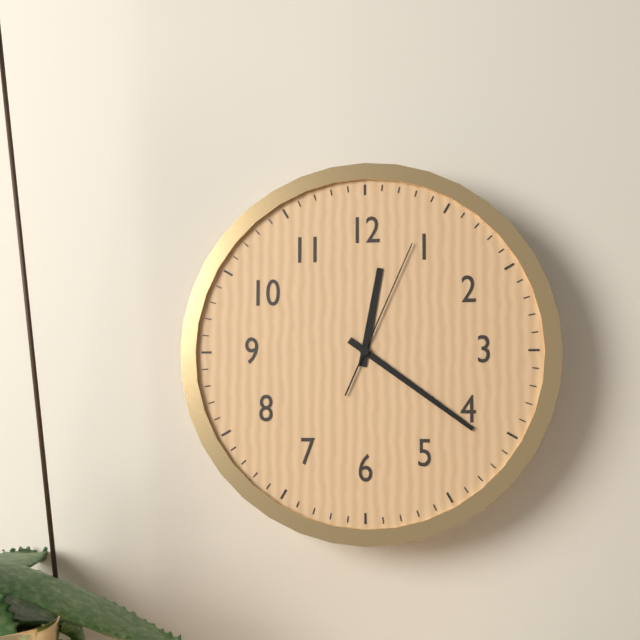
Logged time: 12,21,04
